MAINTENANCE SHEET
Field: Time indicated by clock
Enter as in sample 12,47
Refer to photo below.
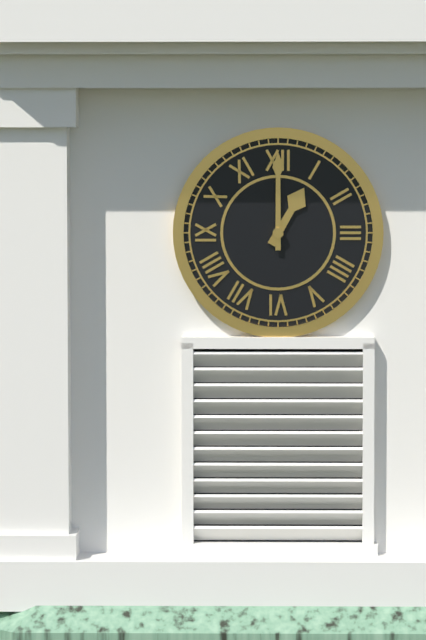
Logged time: 1,00
